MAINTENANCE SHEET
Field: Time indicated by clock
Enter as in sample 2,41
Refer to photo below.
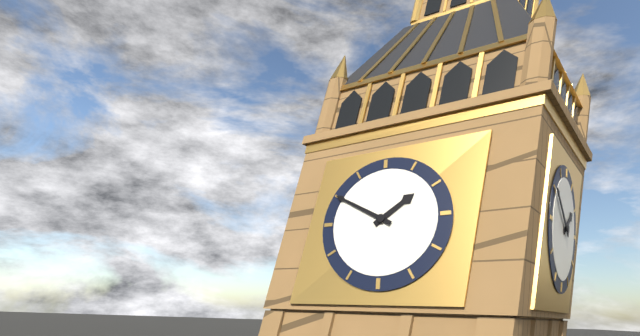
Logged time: 1,50
